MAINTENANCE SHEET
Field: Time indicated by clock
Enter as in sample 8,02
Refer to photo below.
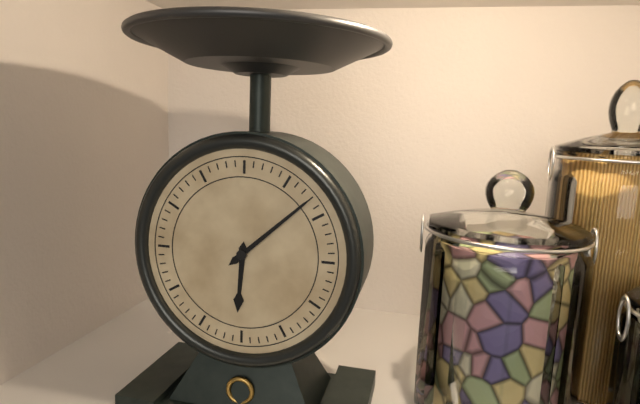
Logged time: 6,08
